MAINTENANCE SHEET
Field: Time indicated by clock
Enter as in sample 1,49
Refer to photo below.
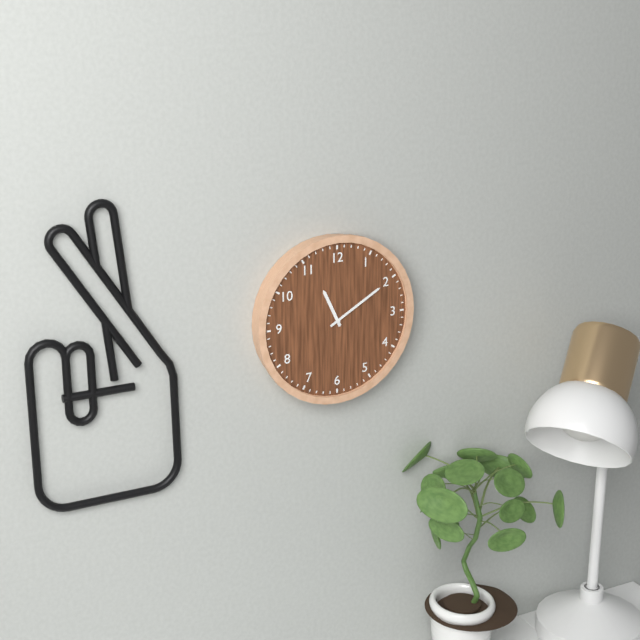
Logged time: 11,10
